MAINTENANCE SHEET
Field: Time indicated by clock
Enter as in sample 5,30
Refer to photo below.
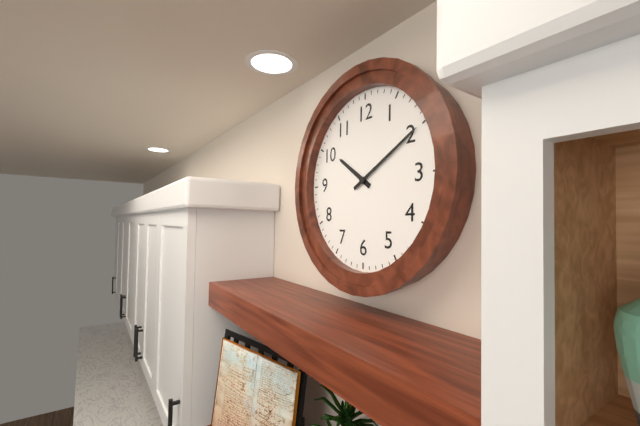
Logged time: 10,10
